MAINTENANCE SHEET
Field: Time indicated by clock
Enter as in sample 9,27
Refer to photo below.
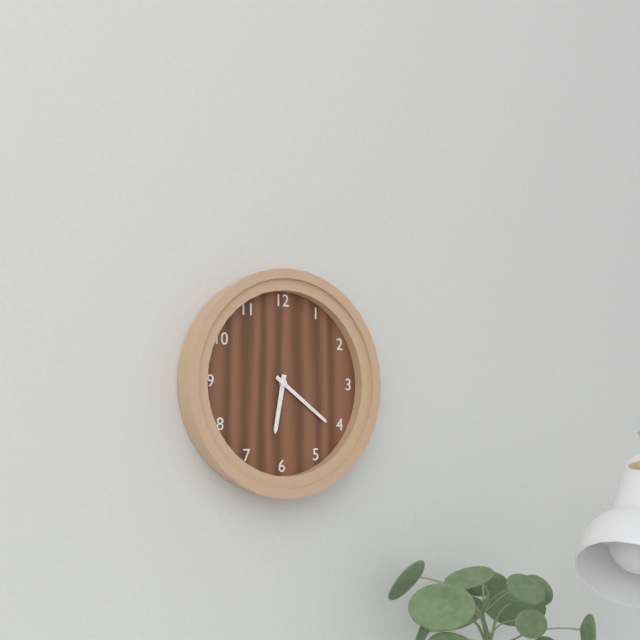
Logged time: 6,21
